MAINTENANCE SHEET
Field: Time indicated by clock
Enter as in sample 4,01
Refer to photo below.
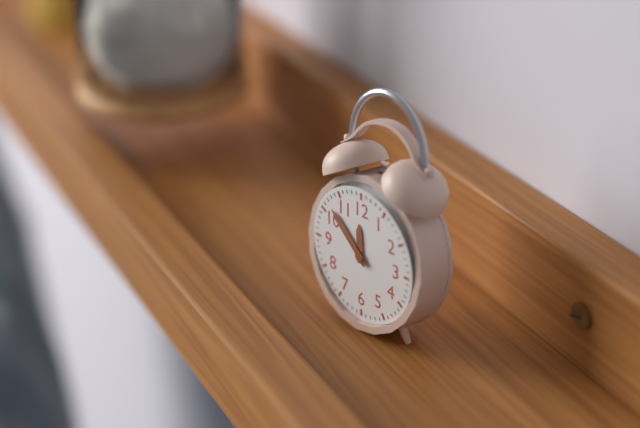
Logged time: 11,52
